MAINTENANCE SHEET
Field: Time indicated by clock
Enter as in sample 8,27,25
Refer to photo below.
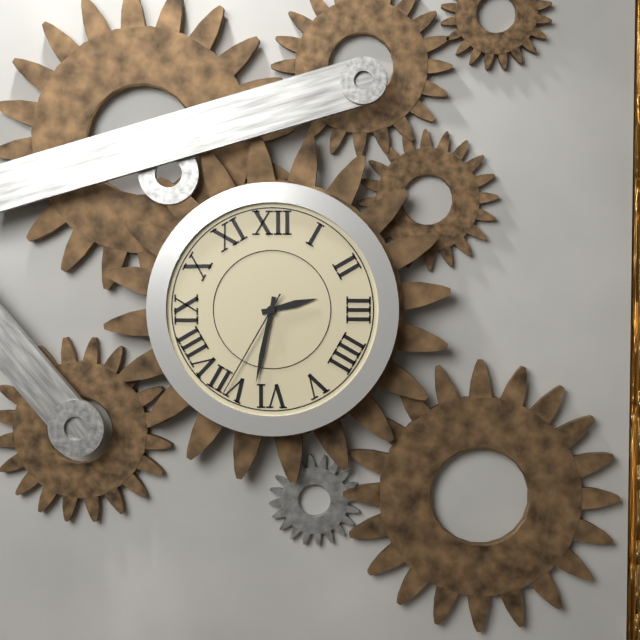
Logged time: 2,32,35
